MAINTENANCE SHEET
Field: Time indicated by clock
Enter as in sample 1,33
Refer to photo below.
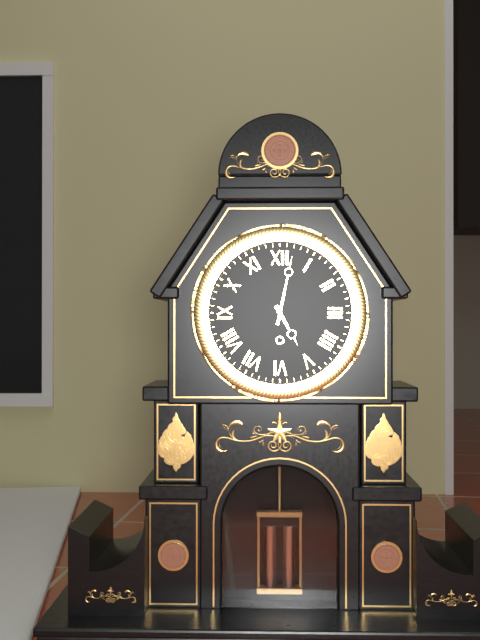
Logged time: 5,02
